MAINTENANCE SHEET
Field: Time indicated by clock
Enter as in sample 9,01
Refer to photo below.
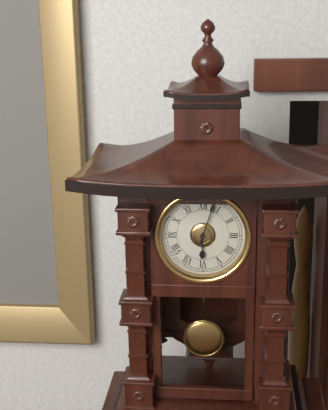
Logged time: 6,03
